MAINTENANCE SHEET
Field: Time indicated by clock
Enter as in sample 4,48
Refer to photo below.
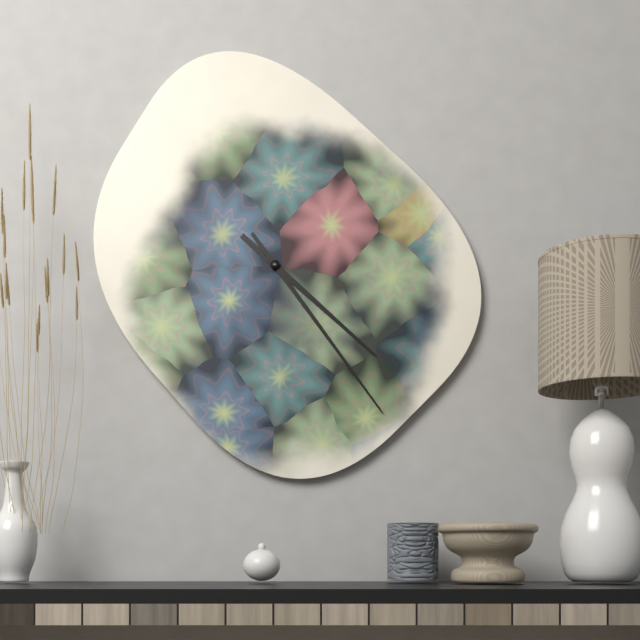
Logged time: 4,24
